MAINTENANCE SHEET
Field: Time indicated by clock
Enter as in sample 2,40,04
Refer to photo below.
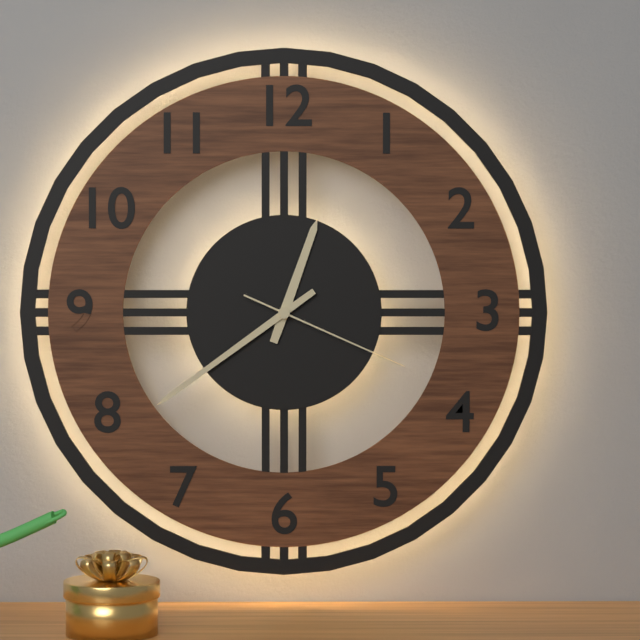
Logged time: 12,39,19
